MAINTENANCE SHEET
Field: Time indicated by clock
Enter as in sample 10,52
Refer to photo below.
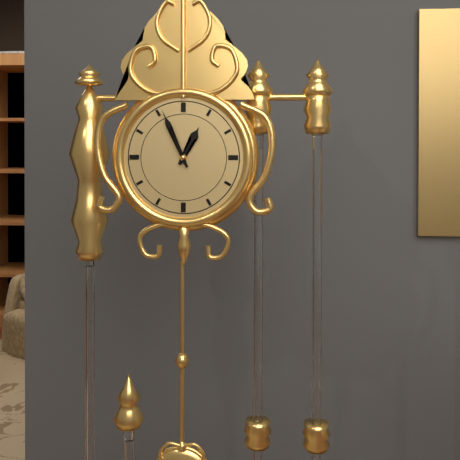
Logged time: 12,56
